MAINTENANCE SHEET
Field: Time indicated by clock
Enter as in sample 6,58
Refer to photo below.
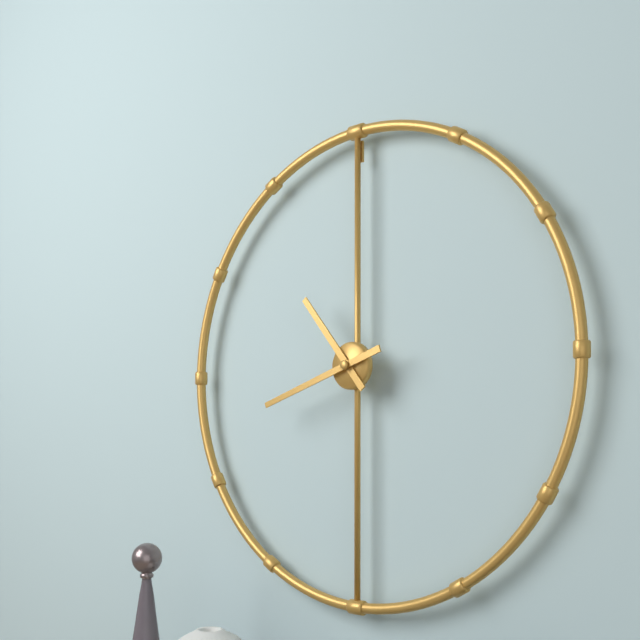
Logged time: 10,42
